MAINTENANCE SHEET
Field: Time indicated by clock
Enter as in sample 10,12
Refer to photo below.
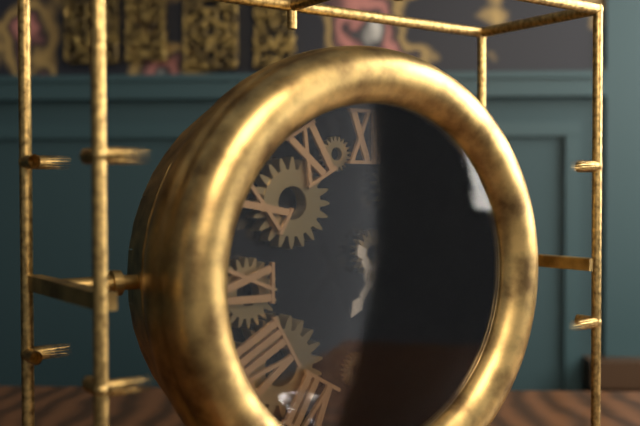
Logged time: 5,06
